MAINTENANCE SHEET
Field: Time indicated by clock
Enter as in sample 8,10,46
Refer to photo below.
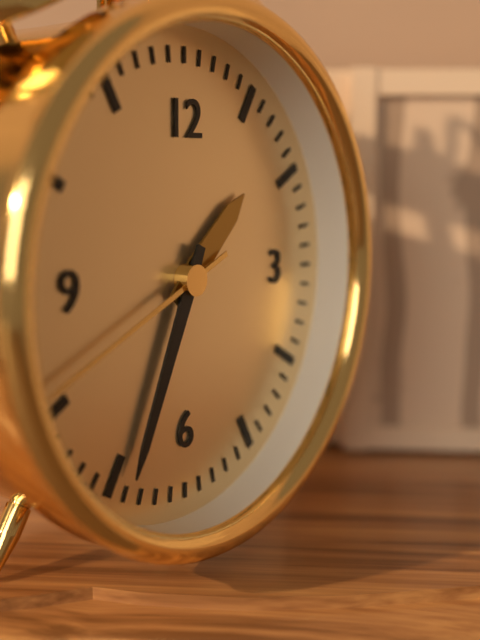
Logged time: 1,34,41
